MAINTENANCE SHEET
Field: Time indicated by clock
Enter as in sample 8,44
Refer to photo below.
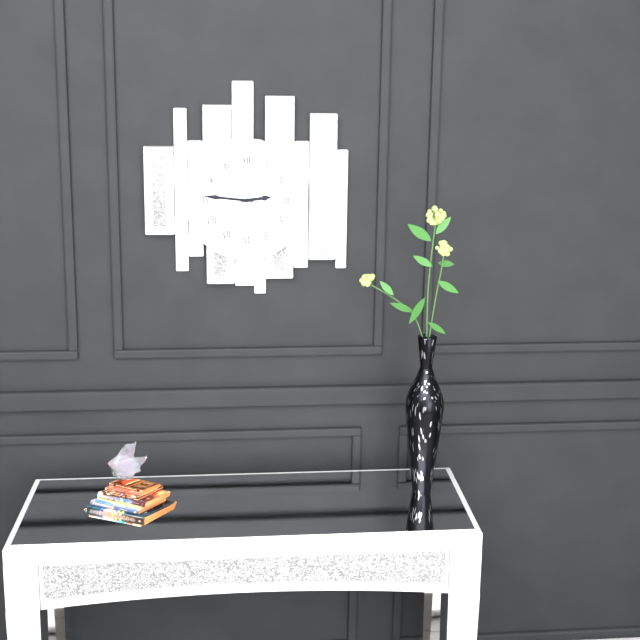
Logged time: 2,46
